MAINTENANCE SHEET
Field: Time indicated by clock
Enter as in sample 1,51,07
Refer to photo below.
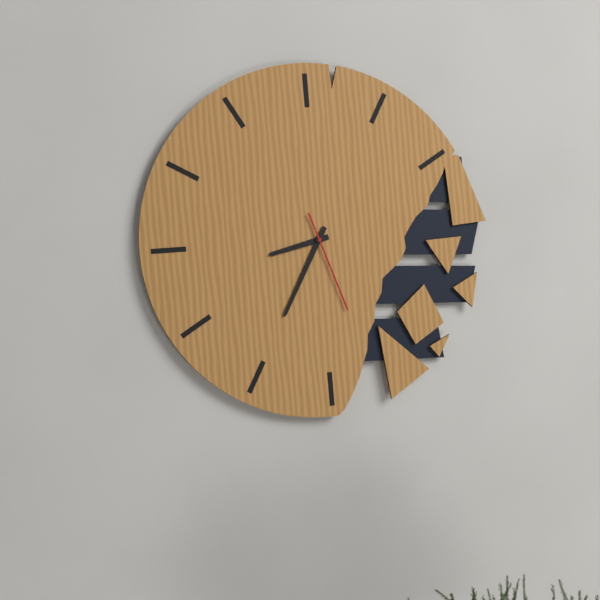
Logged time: 8,35,27
